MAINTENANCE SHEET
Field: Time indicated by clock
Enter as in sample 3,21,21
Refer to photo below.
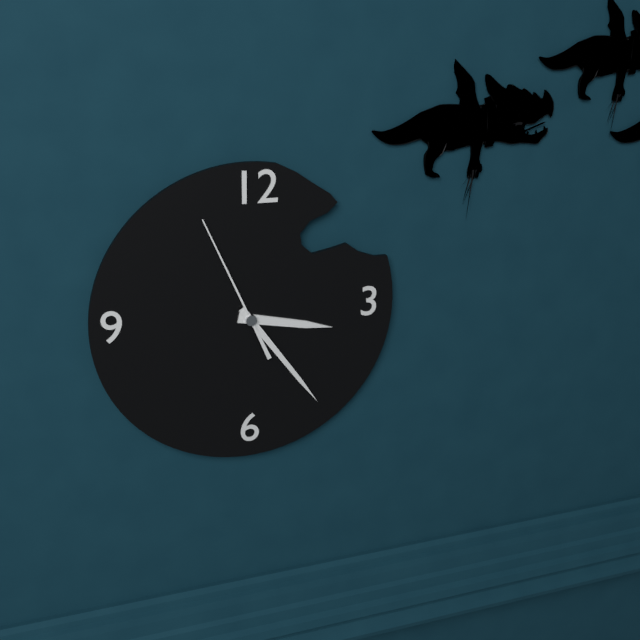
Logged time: 3,24,56
